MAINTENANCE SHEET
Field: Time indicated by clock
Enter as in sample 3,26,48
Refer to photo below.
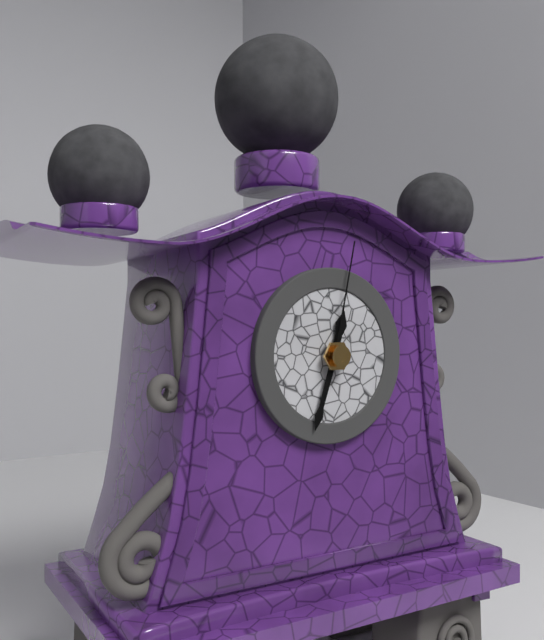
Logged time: 12,33,02
